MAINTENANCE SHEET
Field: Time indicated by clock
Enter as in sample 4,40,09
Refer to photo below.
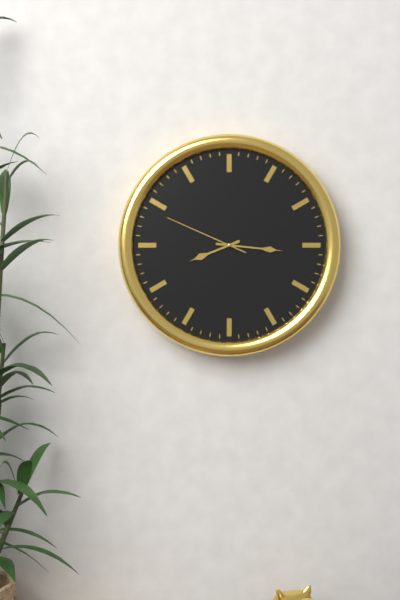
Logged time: 8,16,49
